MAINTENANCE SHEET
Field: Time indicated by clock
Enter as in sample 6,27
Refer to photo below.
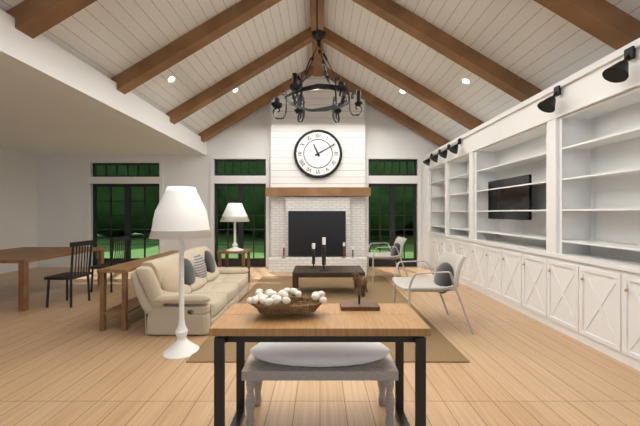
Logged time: 11,10
